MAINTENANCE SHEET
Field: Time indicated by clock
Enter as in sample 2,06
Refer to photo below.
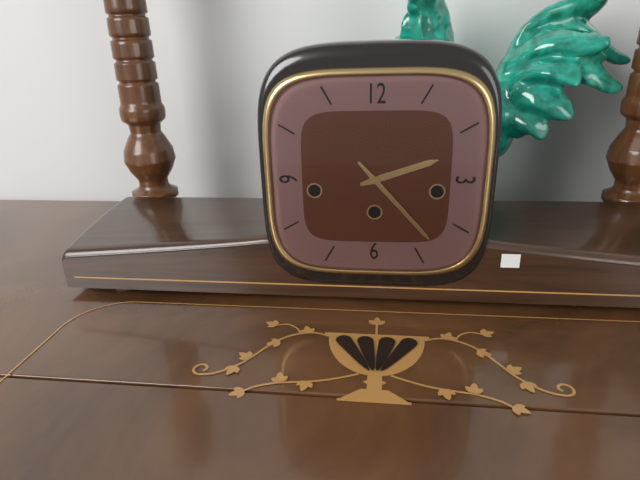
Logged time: 2,23
